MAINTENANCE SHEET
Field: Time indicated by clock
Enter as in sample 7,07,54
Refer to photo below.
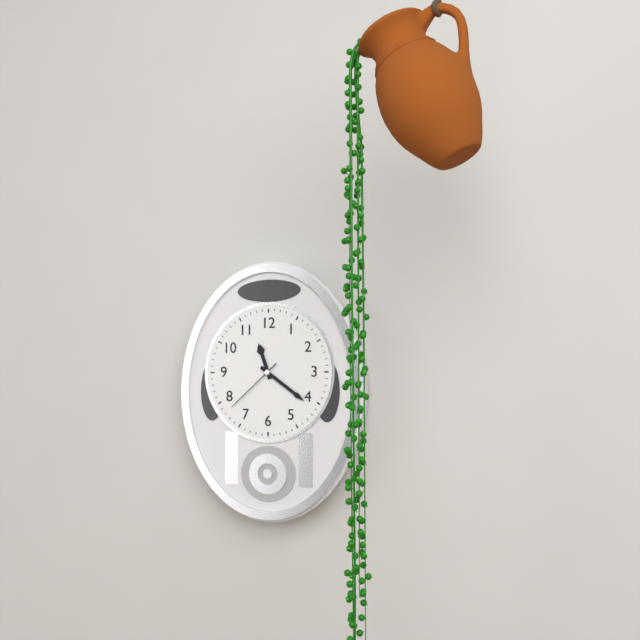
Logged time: 11,21,38
